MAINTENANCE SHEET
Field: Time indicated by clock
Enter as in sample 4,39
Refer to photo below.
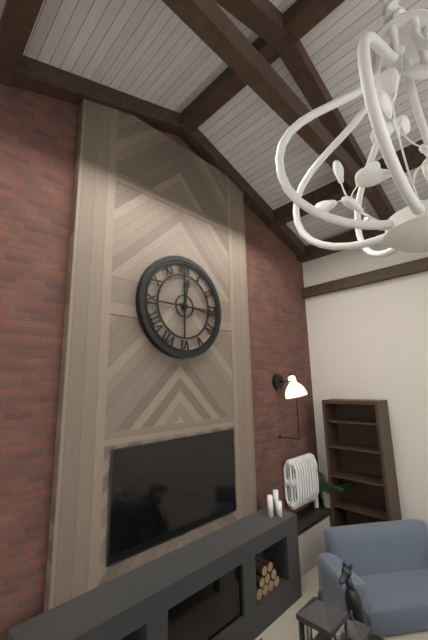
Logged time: 12,16
